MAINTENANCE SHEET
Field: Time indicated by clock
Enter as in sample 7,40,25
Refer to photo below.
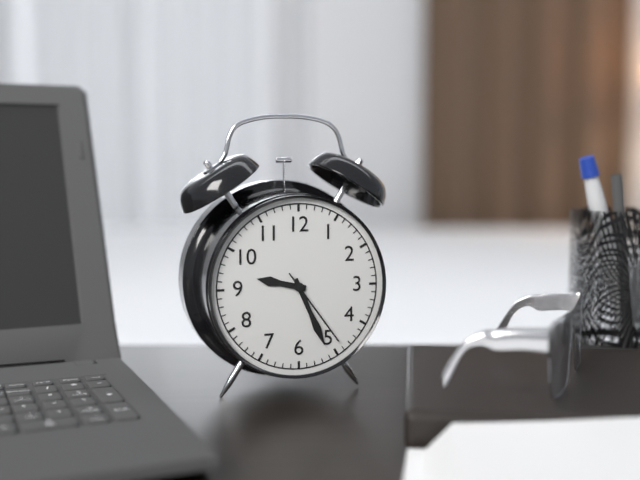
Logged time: 9,26,24
